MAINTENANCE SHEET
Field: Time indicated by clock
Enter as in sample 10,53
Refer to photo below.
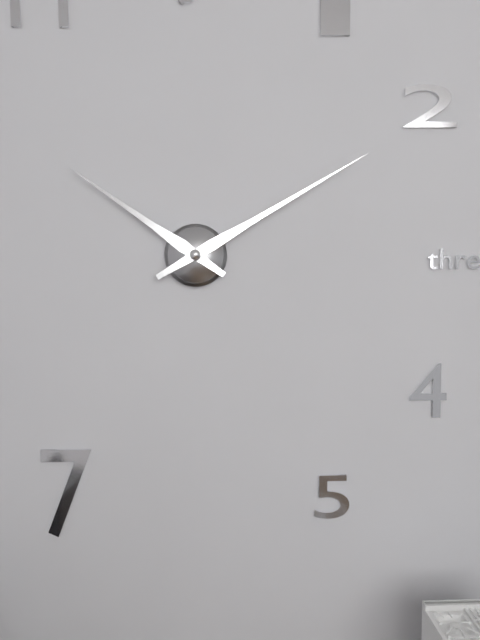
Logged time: 10,10
